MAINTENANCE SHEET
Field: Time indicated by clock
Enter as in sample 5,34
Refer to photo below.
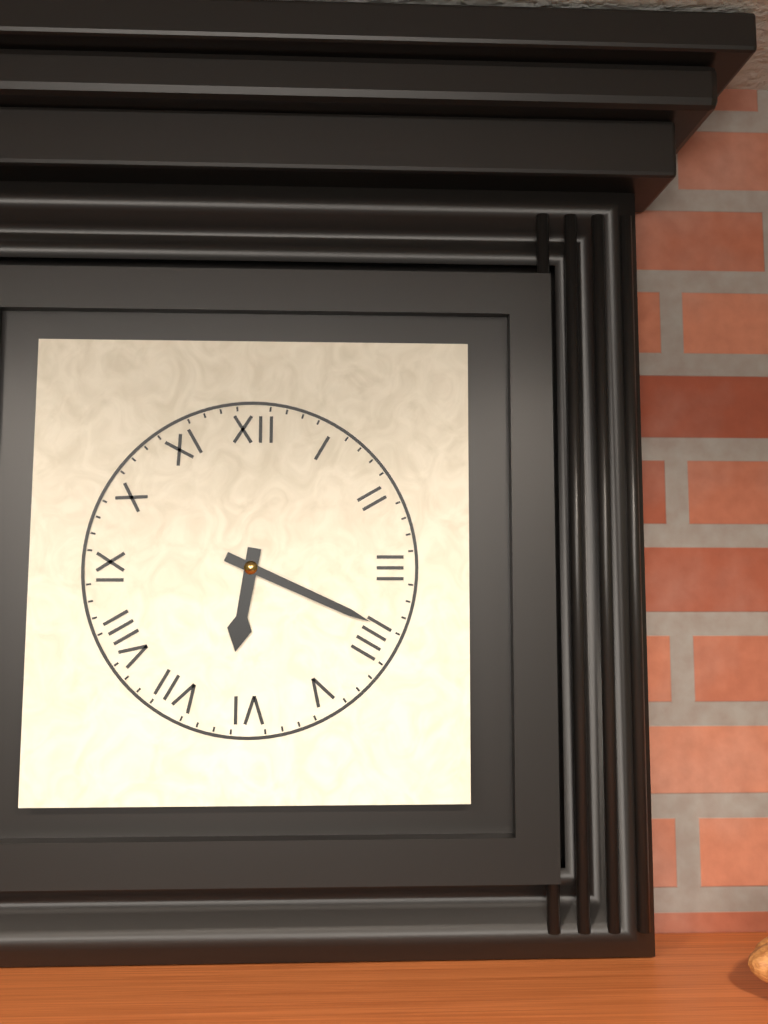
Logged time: 6,19
